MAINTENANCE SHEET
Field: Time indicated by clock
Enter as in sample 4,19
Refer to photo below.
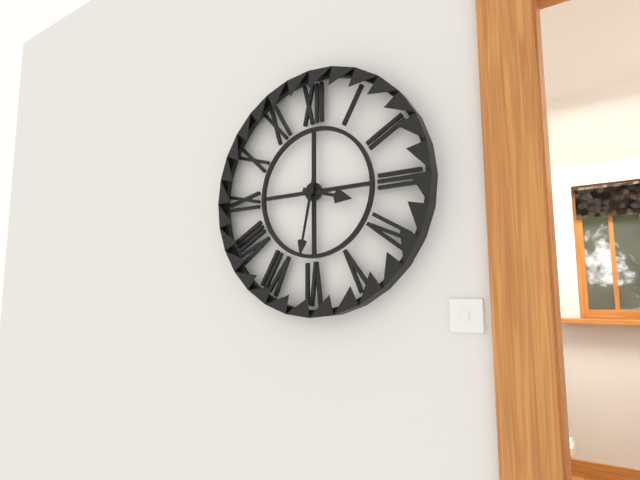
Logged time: 3,32
